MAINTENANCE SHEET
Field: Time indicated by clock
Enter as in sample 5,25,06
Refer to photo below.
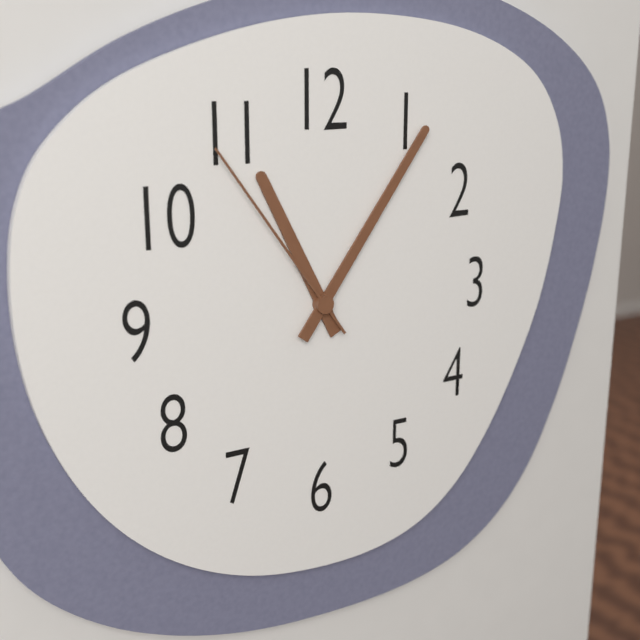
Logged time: 11,06,54
